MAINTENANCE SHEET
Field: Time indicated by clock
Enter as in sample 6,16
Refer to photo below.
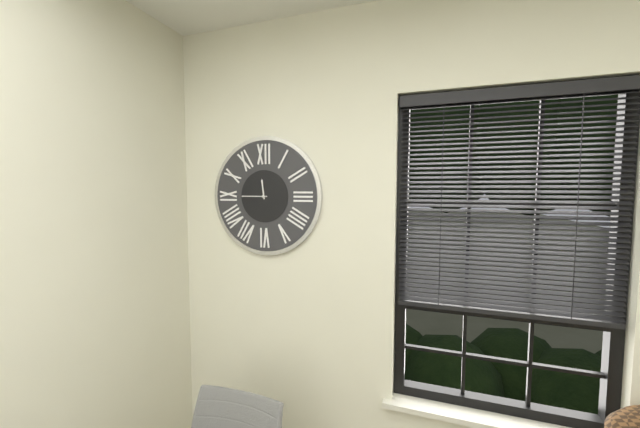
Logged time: 11,45
